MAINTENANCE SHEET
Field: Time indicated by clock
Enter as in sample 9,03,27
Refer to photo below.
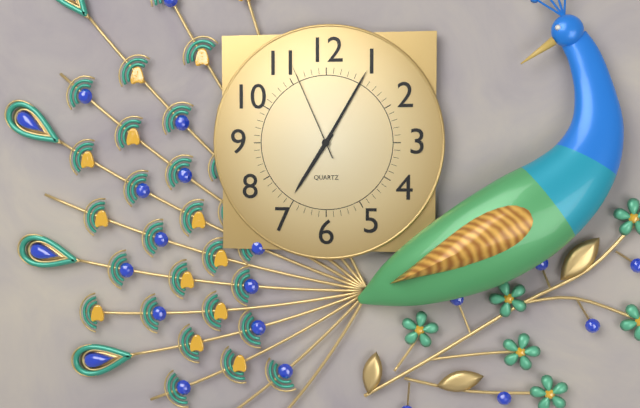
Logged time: 7,05,56
